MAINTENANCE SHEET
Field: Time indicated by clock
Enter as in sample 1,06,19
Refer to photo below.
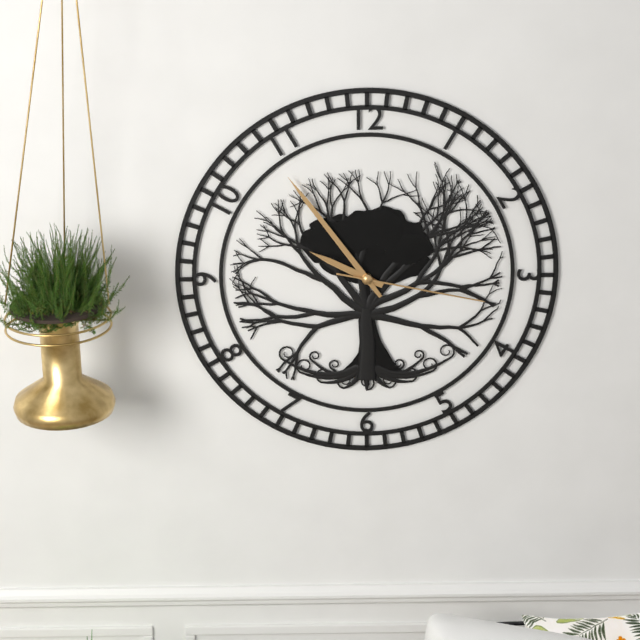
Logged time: 9,54,17
